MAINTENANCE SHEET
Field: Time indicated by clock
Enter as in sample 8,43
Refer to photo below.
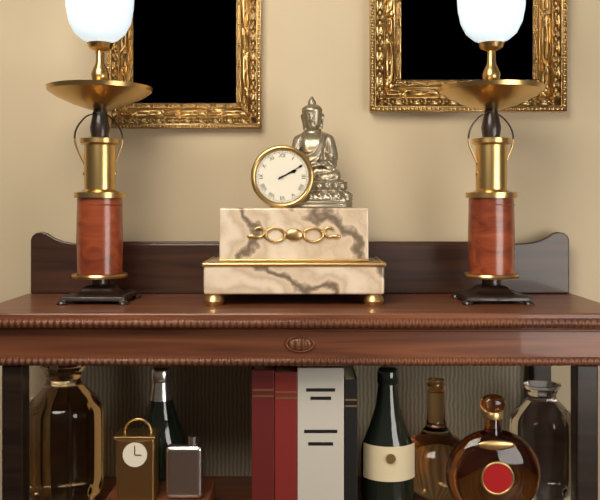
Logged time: 2,10
